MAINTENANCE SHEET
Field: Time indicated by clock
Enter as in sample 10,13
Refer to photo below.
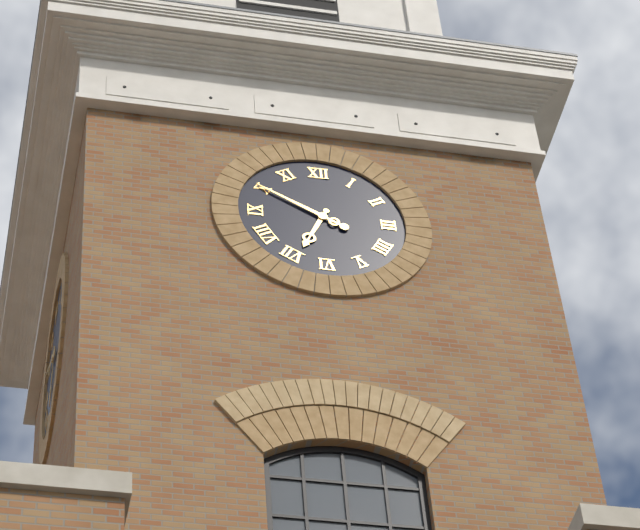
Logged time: 6,50
